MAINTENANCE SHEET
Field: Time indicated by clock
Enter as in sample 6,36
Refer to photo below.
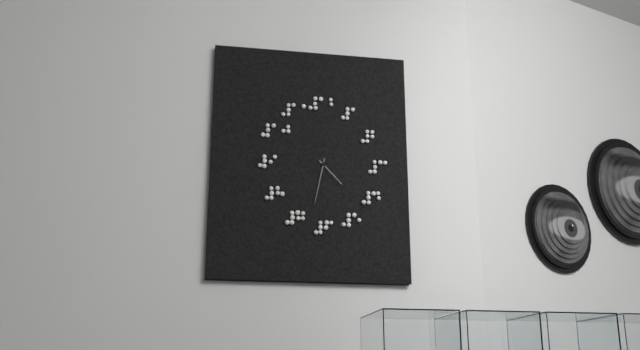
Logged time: 4,32
